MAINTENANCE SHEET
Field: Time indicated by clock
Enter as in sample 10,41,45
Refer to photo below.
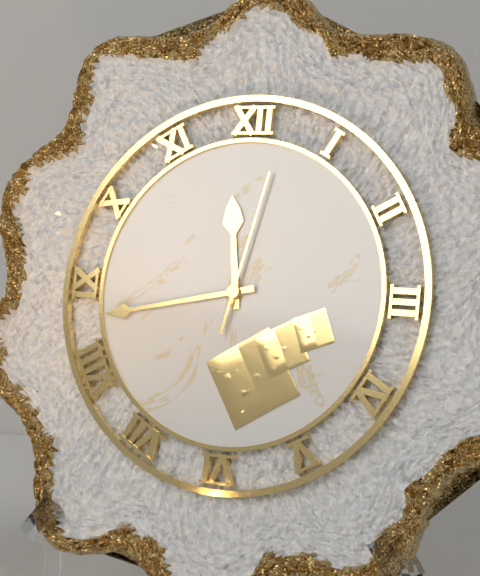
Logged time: 11,43,02
